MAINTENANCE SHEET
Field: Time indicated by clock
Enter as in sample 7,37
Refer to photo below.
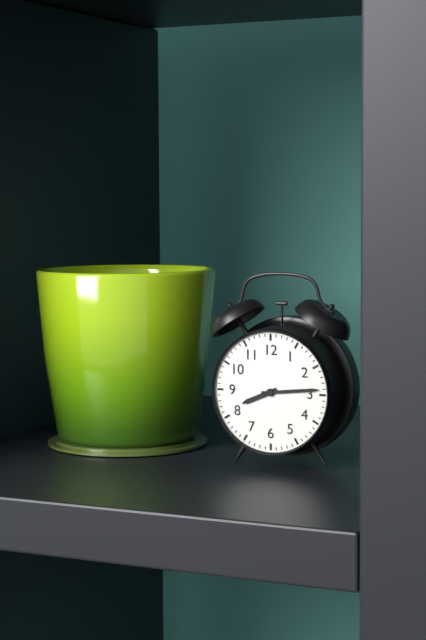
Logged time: 8,14
